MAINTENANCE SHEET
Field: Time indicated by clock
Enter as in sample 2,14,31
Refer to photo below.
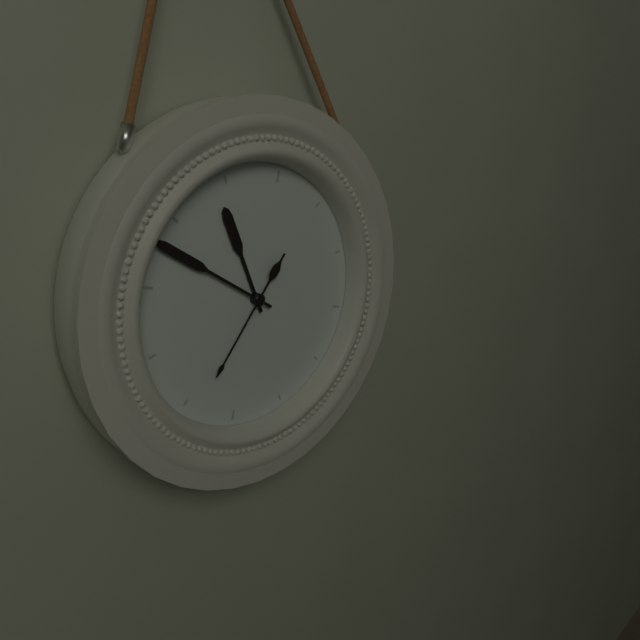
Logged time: 10,48,34
